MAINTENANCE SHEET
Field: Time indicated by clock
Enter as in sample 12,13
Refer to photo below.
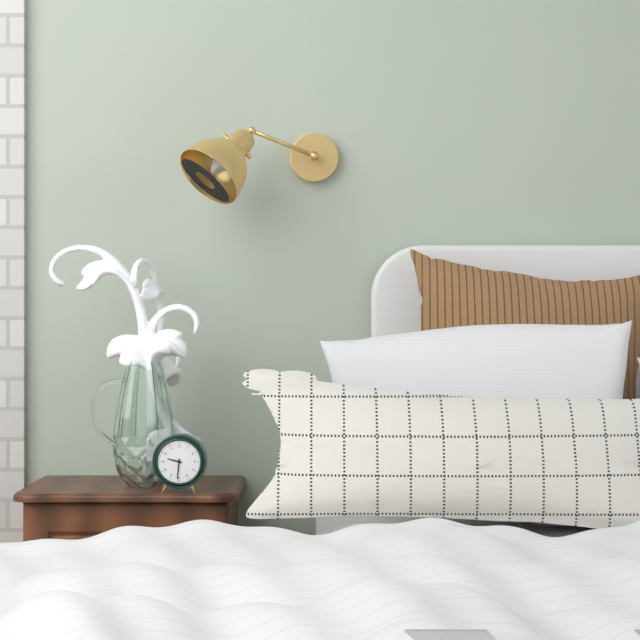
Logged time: 9,31
